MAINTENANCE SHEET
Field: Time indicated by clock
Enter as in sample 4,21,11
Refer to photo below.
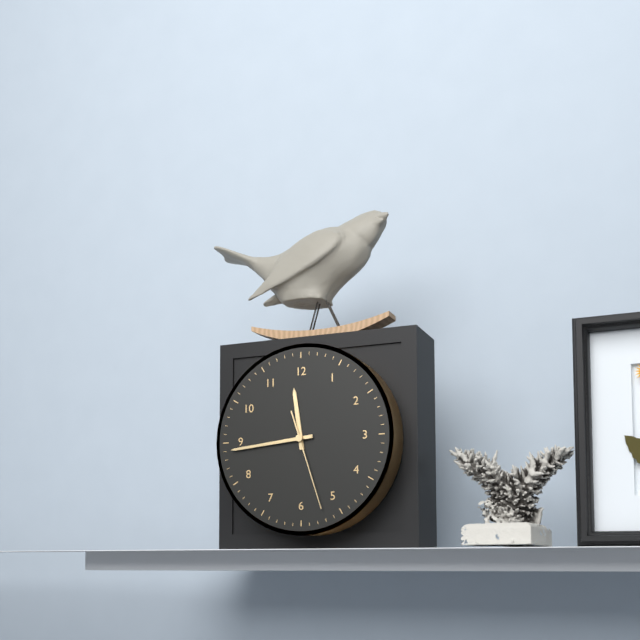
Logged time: 11,44,27
